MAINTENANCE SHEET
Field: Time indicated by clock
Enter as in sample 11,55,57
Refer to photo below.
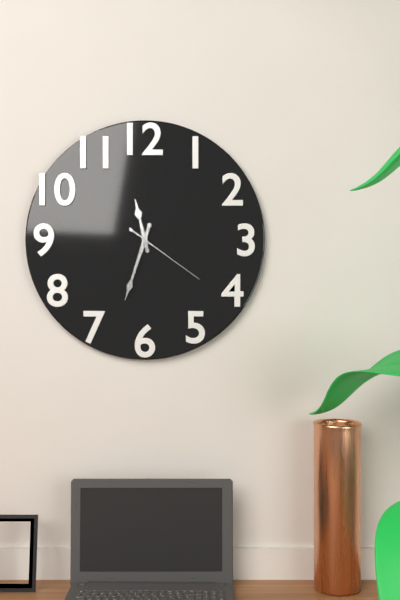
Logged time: 11,33,21
